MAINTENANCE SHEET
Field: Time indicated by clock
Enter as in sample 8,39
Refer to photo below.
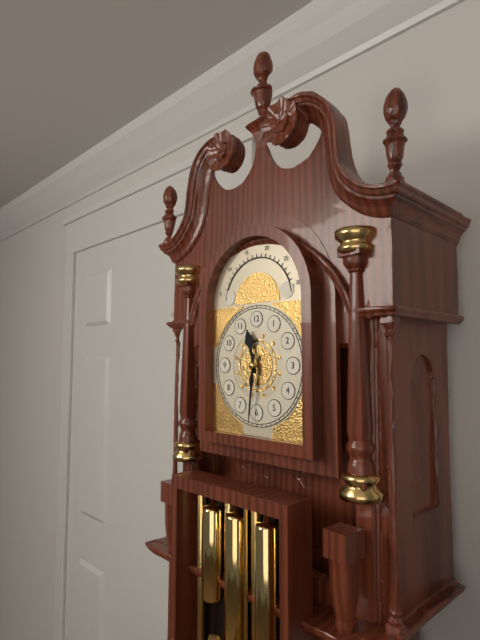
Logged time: 11,31
